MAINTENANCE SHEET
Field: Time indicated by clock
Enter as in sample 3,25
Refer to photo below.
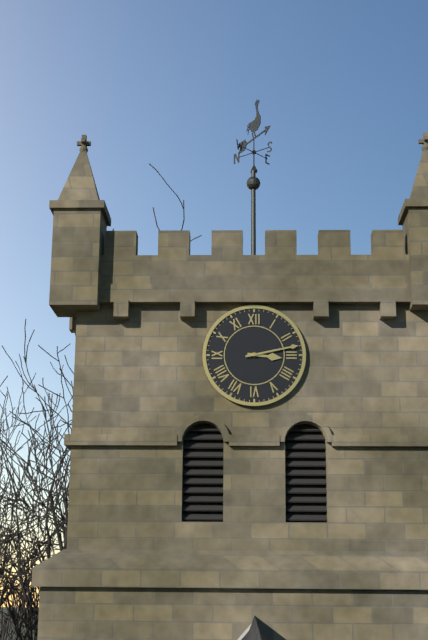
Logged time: 3,13
